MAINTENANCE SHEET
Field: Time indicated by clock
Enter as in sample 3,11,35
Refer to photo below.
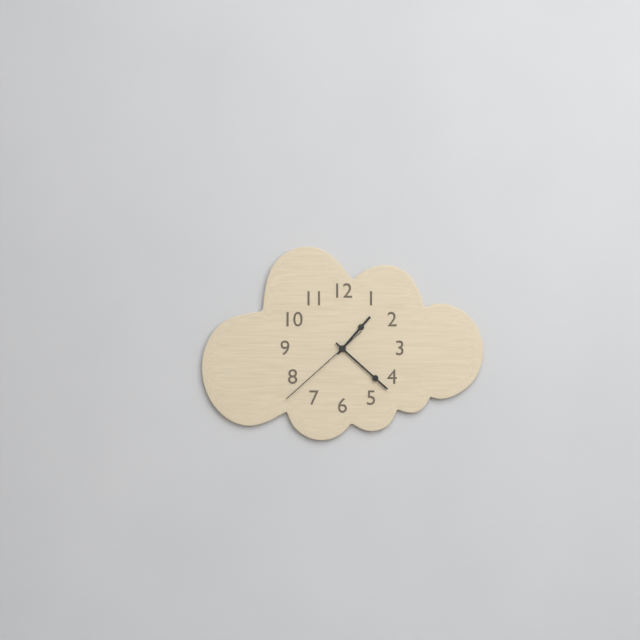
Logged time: 1,22,38
